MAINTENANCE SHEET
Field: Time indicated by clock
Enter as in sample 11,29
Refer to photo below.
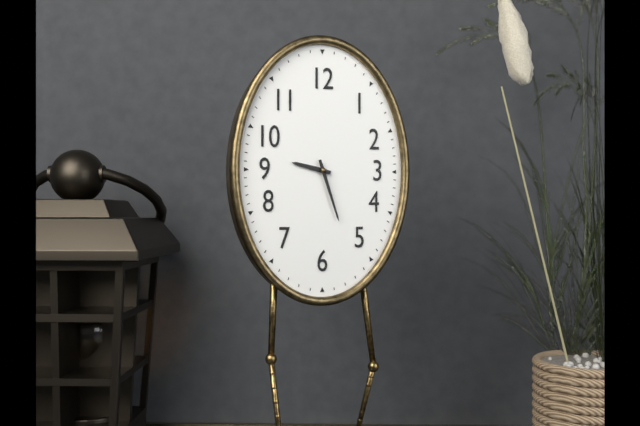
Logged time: 9,27
